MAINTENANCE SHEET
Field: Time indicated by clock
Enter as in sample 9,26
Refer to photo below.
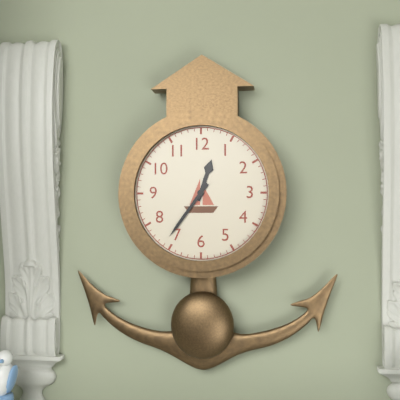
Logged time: 12,36
